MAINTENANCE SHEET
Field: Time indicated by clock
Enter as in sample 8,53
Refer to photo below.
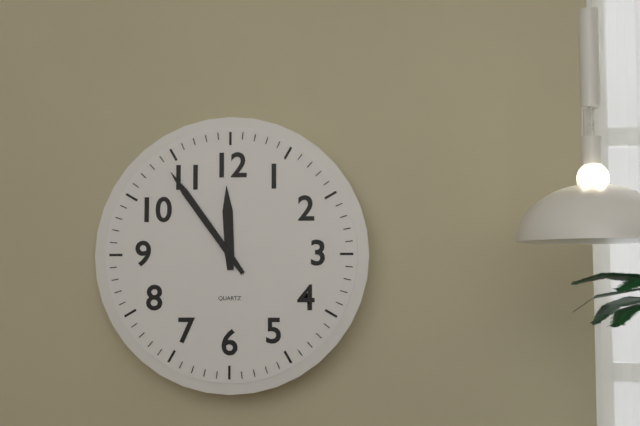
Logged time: 11,54
